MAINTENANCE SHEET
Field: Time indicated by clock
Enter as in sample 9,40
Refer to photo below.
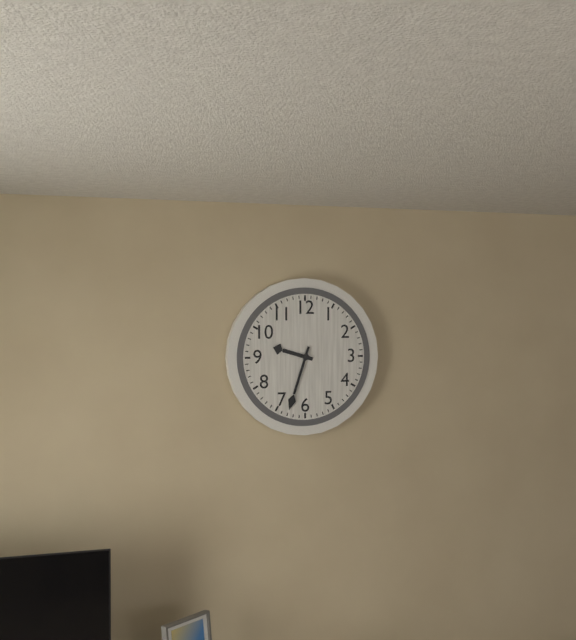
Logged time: 9,33
